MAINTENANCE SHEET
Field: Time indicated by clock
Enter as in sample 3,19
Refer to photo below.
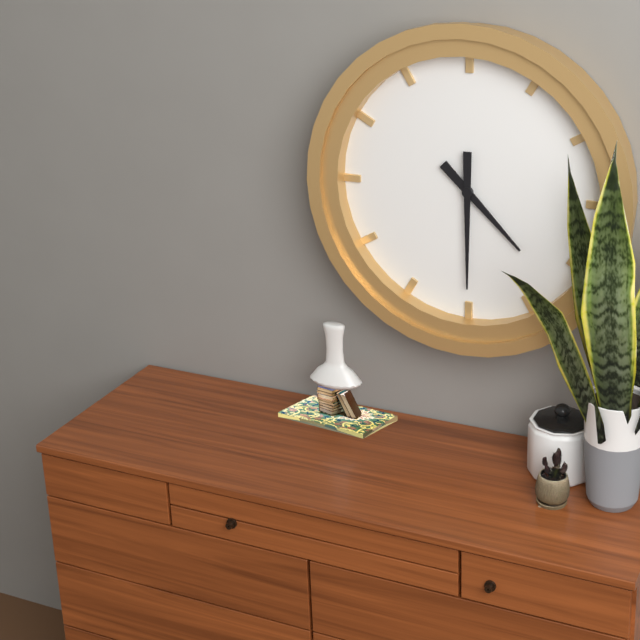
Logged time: 4,30
